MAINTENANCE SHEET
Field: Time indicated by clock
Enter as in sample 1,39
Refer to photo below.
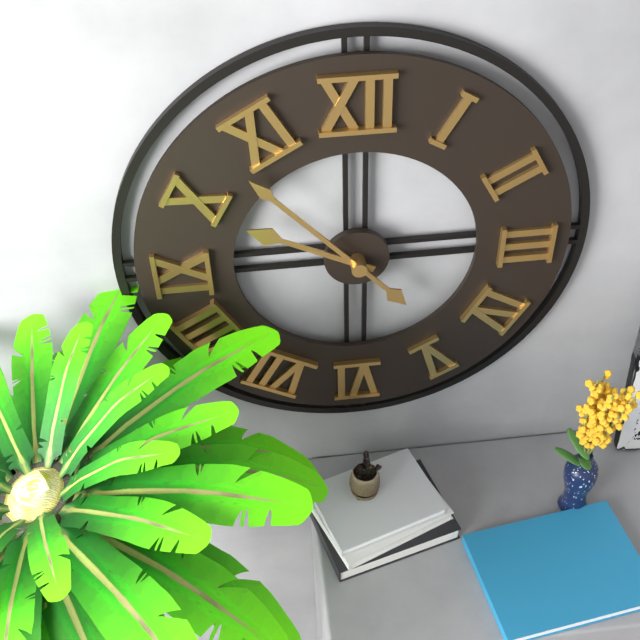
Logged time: 9,53
